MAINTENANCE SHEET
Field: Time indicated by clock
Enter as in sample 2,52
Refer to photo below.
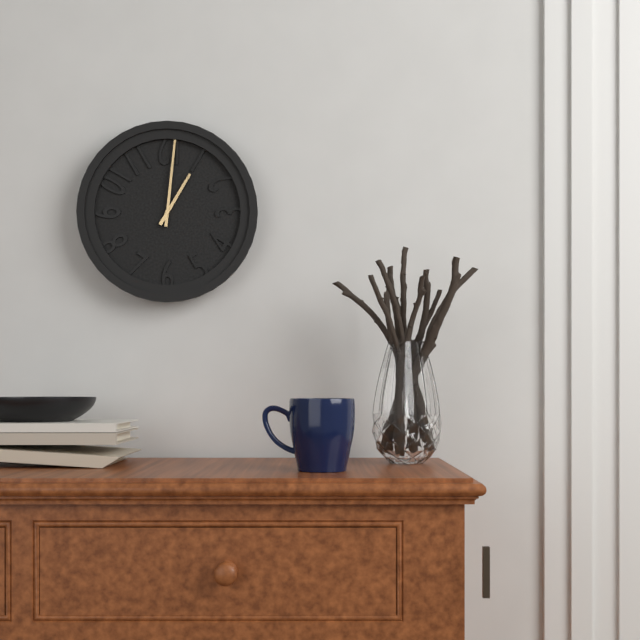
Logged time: 1,01
